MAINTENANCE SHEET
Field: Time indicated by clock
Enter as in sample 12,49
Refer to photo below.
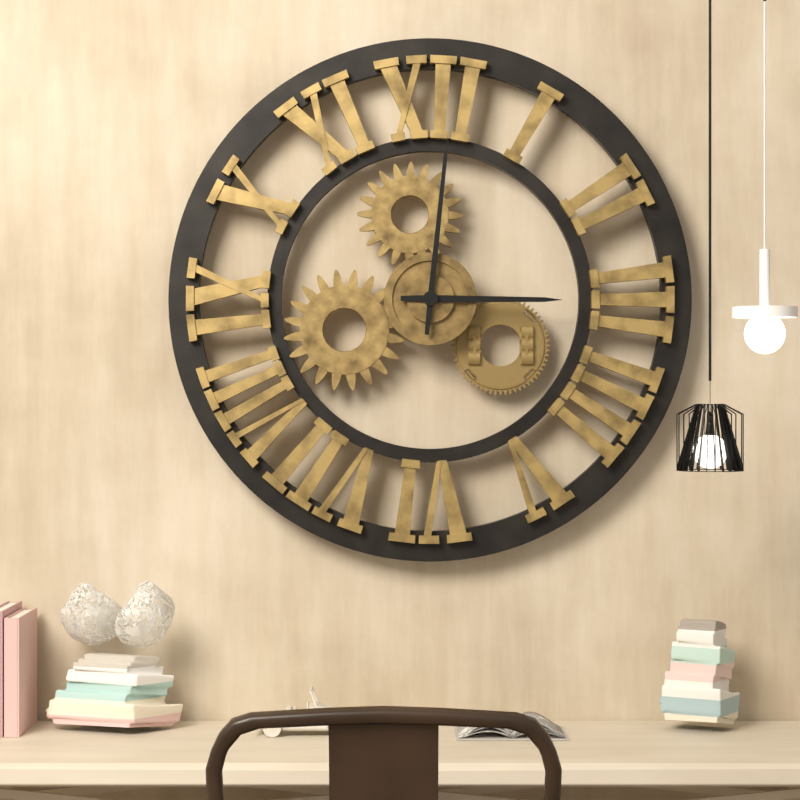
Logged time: 3,01
